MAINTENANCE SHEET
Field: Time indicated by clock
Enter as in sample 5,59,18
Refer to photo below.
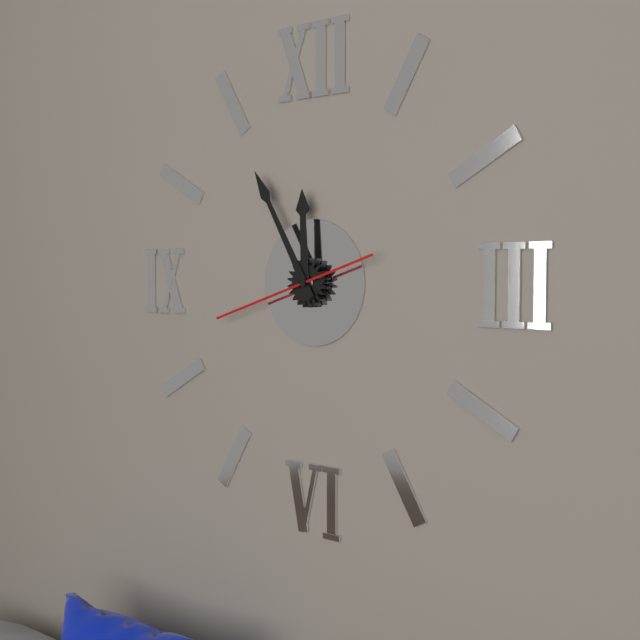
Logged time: 11,55,42
